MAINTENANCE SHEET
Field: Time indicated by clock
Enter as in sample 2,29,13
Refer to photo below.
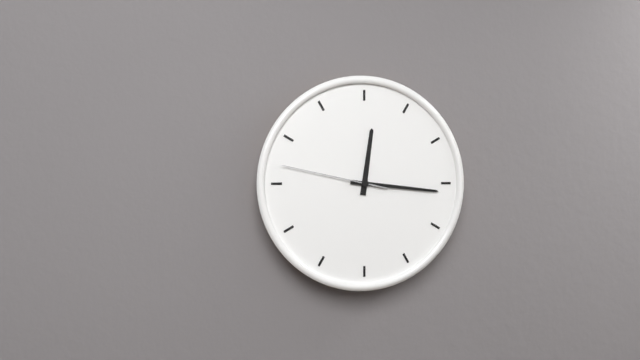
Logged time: 12,16,47
